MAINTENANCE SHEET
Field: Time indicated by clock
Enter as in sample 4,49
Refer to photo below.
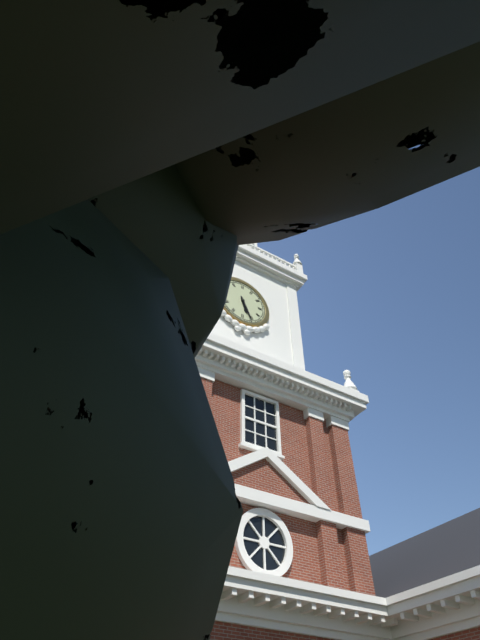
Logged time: 5,26
